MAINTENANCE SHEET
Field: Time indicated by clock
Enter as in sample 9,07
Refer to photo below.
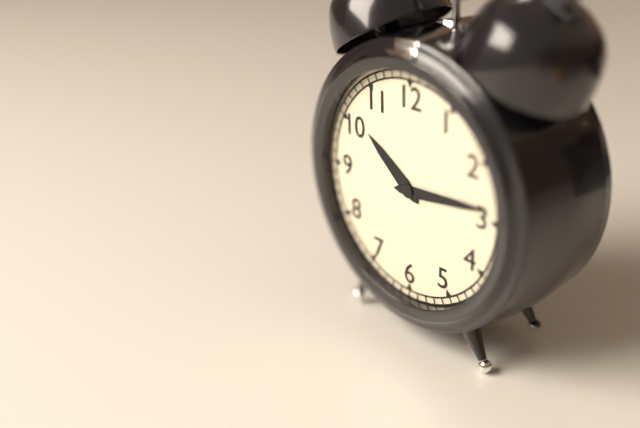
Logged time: 10,14
